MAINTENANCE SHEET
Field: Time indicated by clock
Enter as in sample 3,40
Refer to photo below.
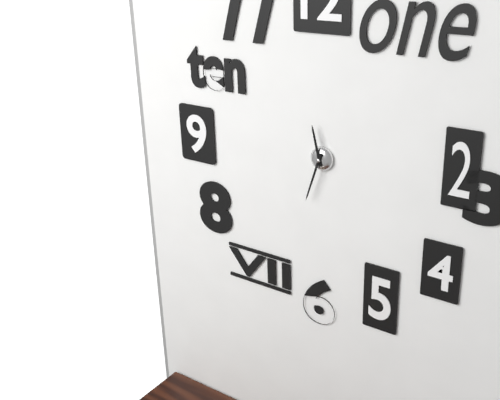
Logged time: 11,33
